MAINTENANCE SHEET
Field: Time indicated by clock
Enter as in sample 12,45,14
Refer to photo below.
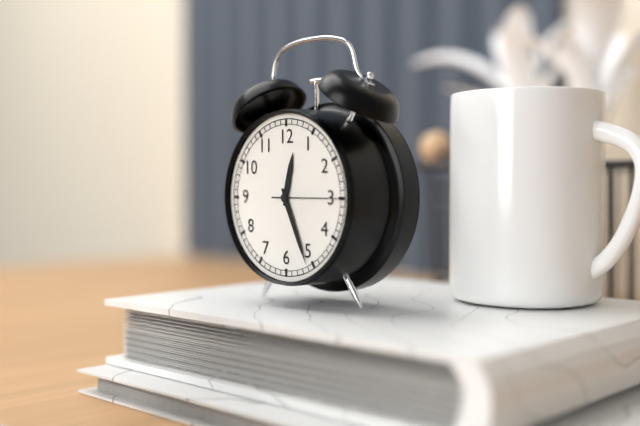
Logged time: 12,26,15
